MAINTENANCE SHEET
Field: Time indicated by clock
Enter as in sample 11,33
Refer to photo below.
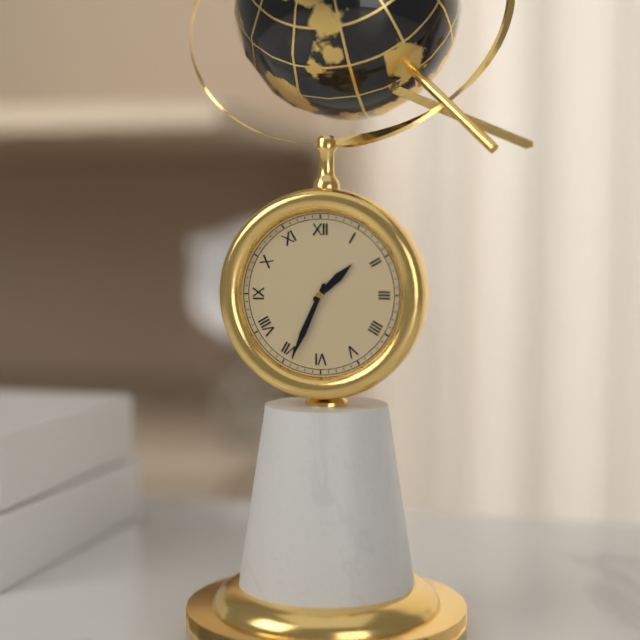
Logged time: 1,34
